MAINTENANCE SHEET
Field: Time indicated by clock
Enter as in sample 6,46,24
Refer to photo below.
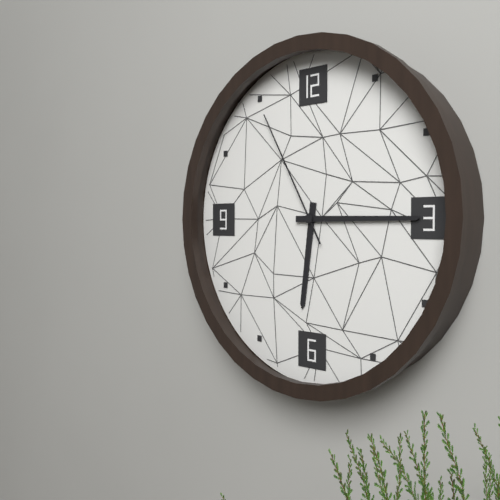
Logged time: 6,15,55
